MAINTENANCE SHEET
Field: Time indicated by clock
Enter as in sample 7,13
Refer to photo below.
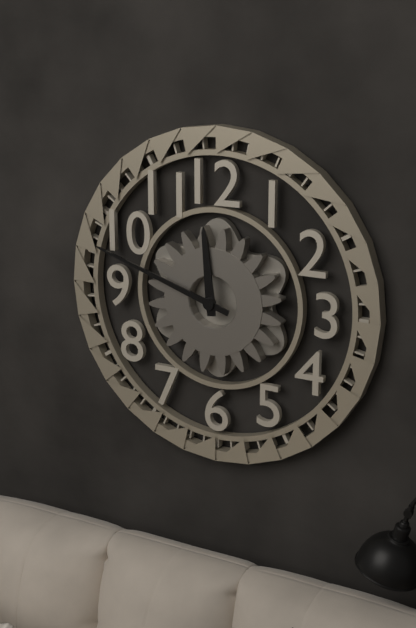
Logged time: 11,48
